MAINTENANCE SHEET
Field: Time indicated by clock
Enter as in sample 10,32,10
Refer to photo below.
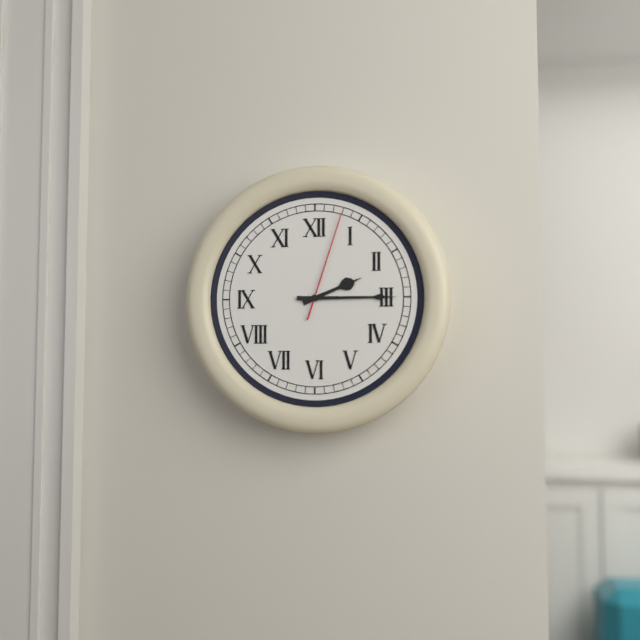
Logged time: 2,15,03
